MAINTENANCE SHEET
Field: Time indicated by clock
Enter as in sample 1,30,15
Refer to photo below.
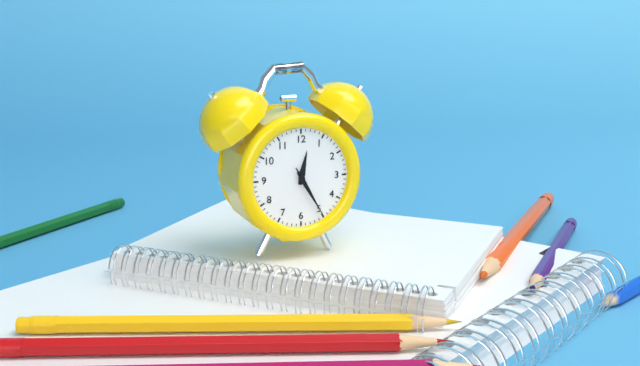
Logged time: 12,25,25
